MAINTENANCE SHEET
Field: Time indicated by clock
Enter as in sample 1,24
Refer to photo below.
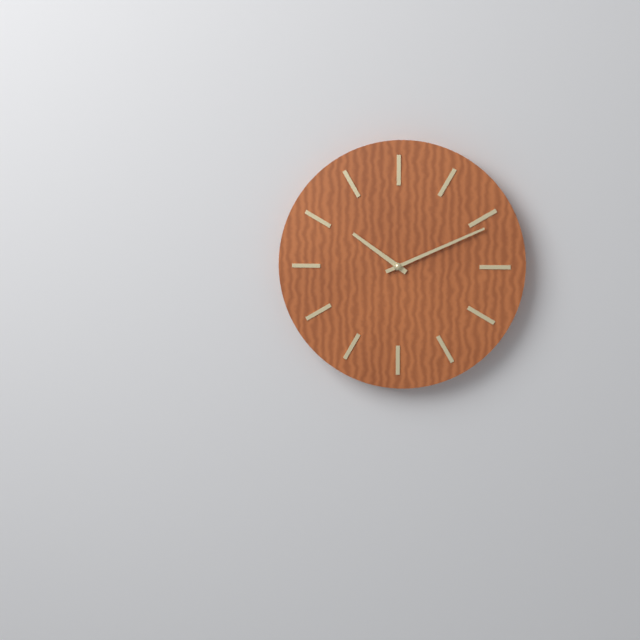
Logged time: 10,11
